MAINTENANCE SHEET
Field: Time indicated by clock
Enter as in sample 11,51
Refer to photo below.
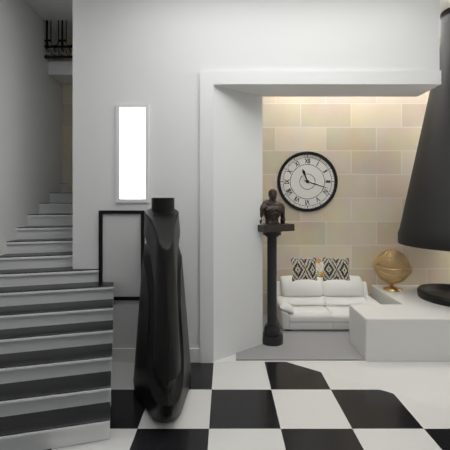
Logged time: 11,18
